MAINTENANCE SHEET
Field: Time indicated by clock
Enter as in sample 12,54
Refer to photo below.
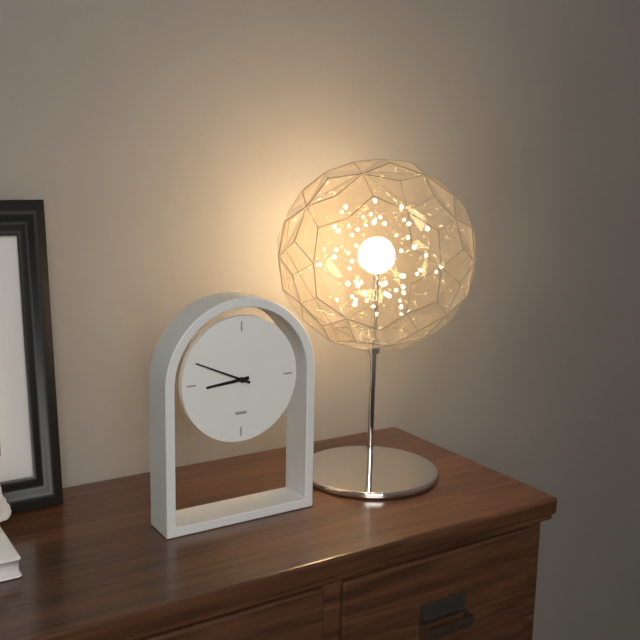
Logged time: 8,49
